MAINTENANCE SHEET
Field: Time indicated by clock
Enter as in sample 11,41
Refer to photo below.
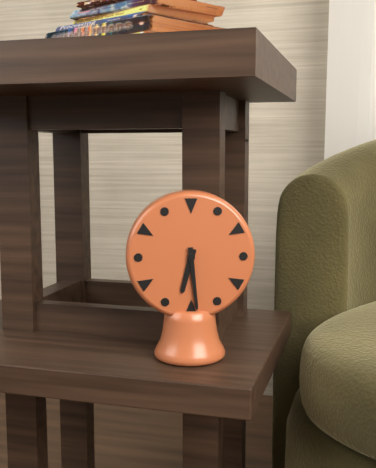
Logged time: 6,29
